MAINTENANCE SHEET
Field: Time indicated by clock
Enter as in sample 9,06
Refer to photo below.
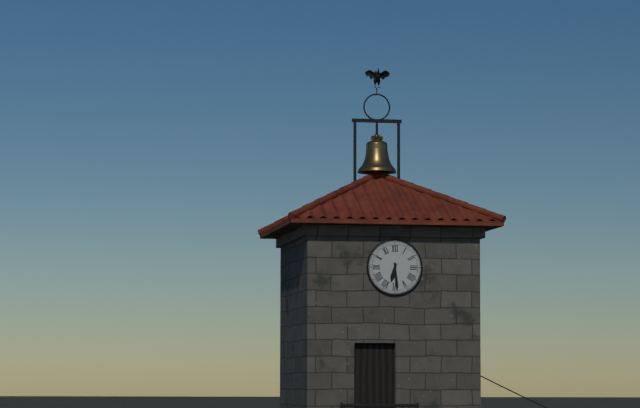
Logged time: 6,29
